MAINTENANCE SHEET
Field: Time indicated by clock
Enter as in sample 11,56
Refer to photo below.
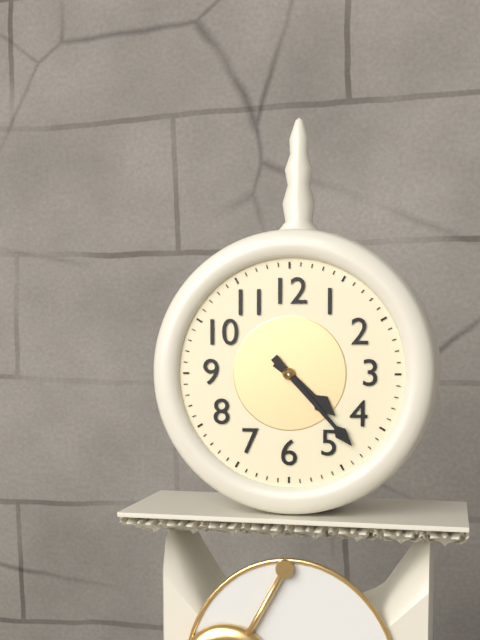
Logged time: 4,23
